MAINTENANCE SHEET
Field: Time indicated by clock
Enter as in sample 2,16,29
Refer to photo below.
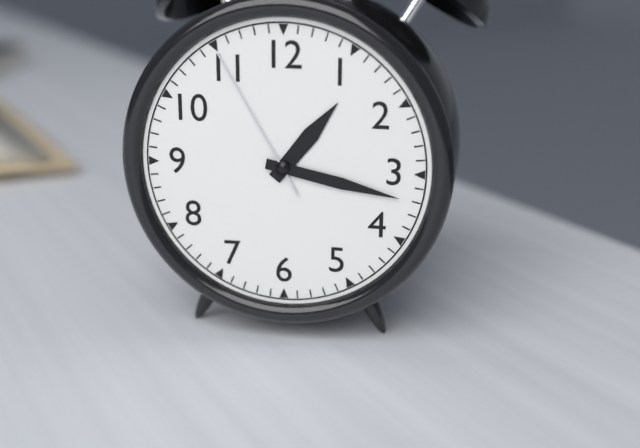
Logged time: 1,17,55
